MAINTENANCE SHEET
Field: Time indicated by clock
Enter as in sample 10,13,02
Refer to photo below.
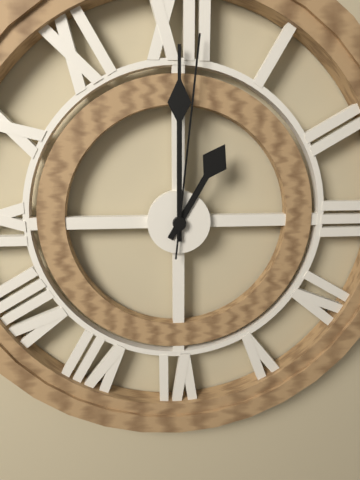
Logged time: 1,00,01
